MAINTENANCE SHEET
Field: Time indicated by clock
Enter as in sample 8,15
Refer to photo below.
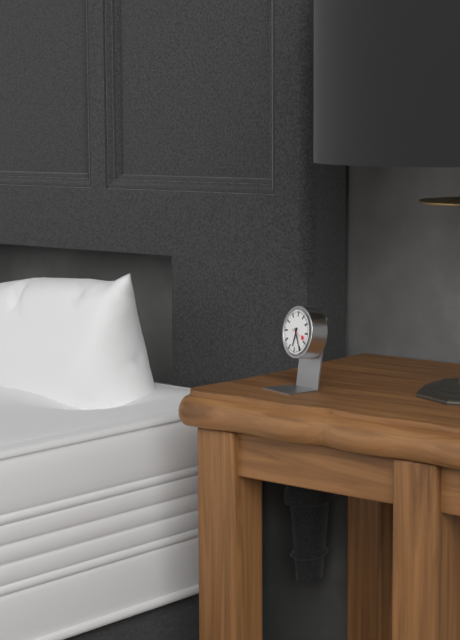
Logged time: 6,25
